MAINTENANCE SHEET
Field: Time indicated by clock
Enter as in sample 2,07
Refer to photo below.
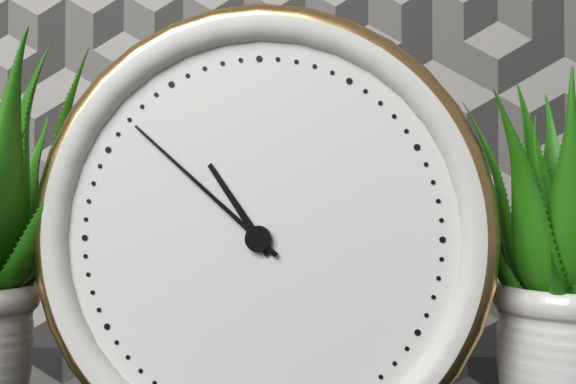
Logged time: 10,52
